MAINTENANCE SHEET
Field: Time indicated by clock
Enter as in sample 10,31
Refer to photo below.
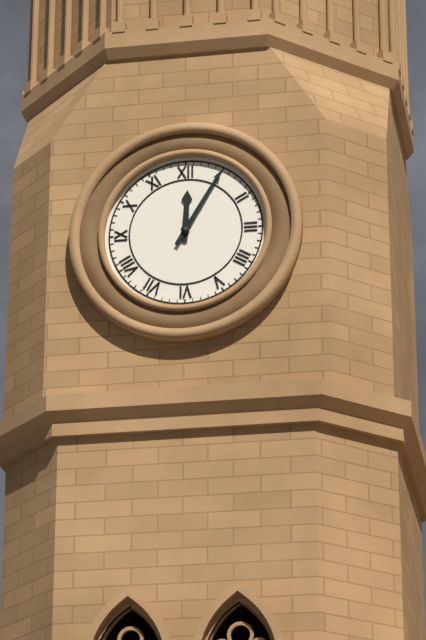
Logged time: 12,05
